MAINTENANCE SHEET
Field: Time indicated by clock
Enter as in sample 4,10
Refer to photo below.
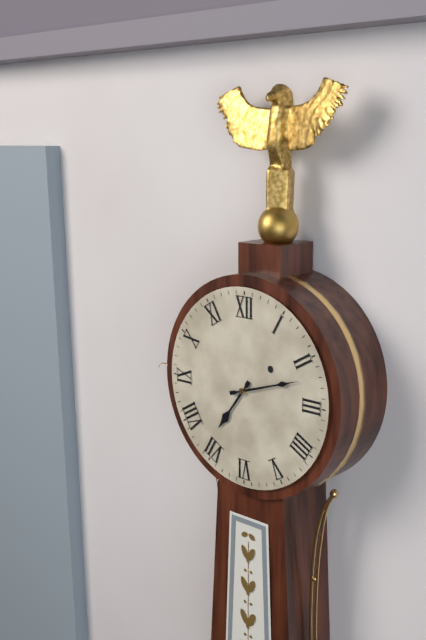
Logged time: 7,12
